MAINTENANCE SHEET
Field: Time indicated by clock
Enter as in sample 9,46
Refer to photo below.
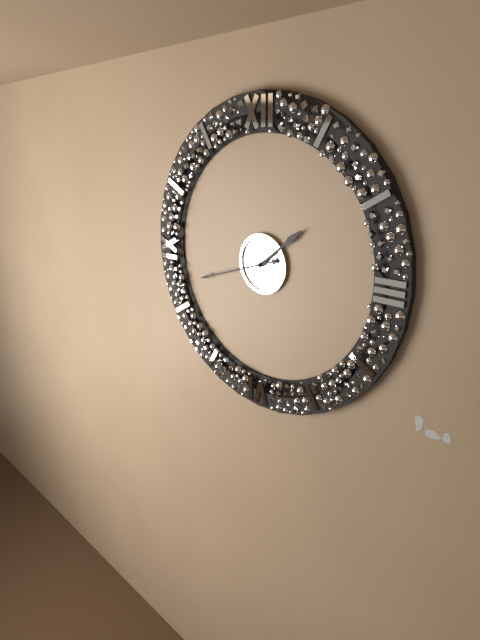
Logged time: 1,42
